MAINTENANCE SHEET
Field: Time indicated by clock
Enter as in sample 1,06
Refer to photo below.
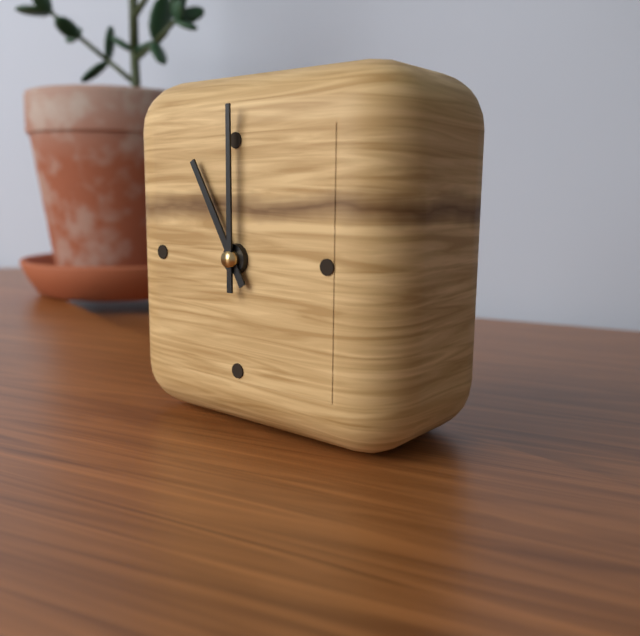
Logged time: 11,00
